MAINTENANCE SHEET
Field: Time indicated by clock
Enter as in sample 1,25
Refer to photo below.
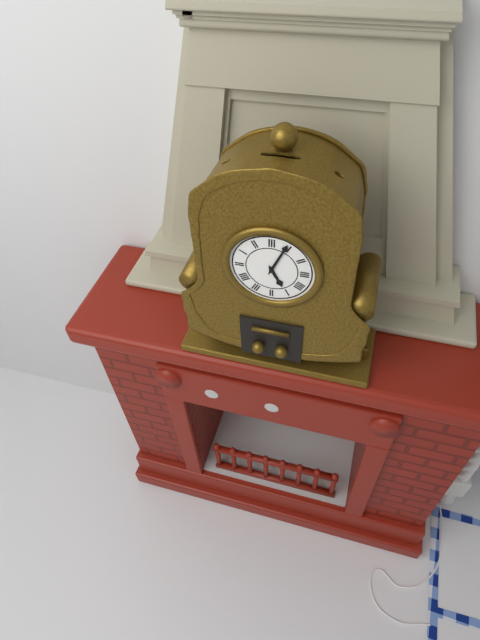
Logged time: 5,04
